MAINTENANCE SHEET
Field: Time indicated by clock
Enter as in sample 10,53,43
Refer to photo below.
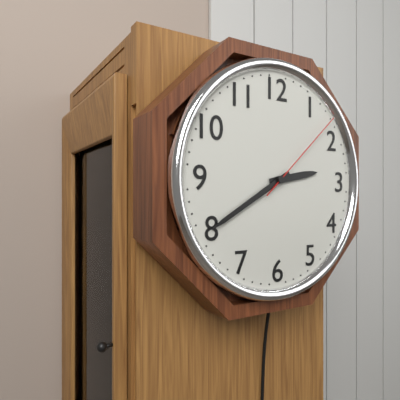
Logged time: 2,40,08
